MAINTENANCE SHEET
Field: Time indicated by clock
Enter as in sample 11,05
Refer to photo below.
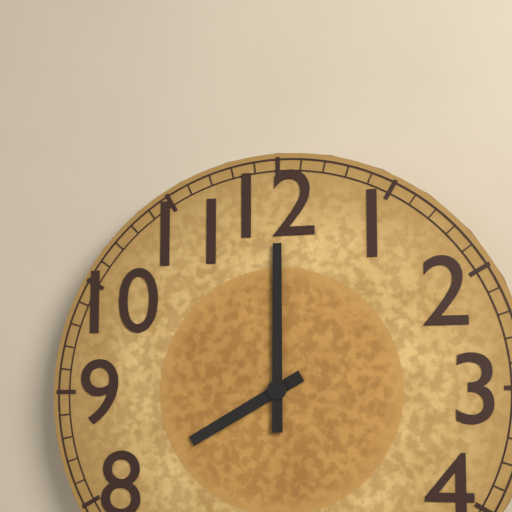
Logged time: 8,00
